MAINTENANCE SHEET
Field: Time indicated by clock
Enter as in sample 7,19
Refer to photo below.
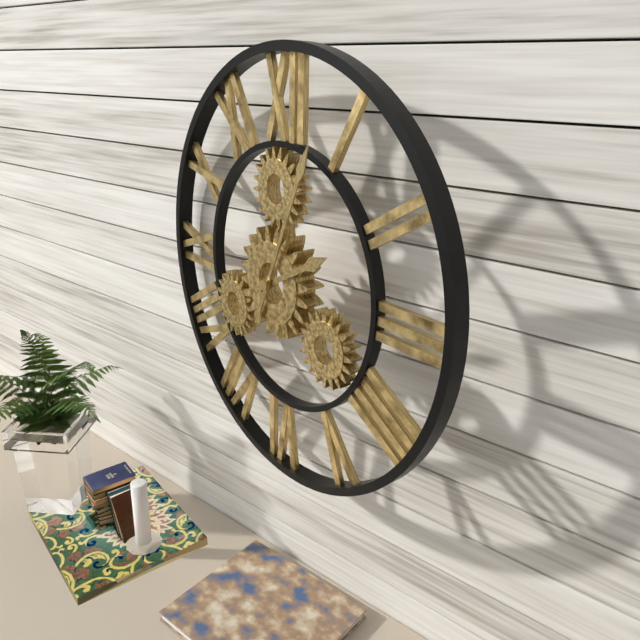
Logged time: 2,04
